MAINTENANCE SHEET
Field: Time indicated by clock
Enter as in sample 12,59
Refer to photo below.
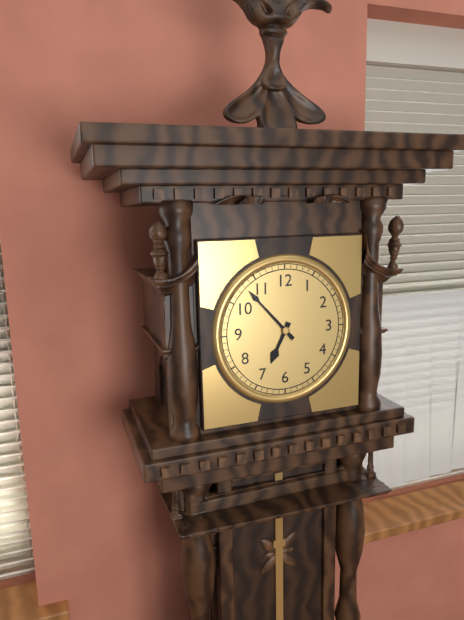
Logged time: 6,53
